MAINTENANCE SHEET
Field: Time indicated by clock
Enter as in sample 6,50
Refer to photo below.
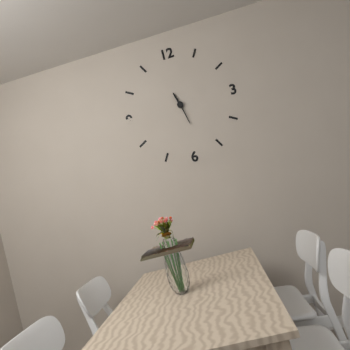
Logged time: 11,28
